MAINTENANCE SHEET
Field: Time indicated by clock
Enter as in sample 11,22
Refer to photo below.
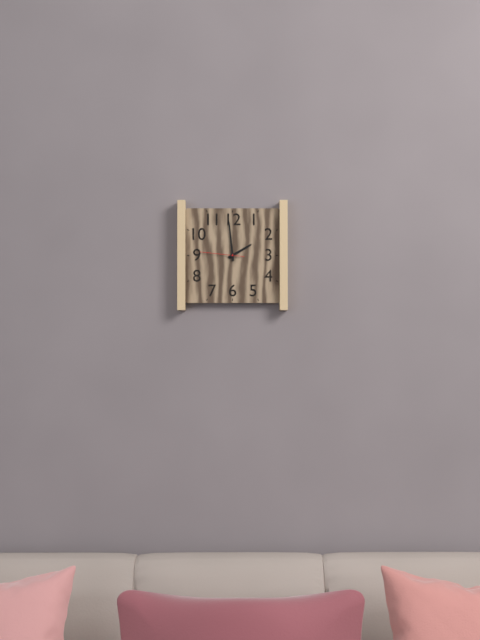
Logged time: 1,59
